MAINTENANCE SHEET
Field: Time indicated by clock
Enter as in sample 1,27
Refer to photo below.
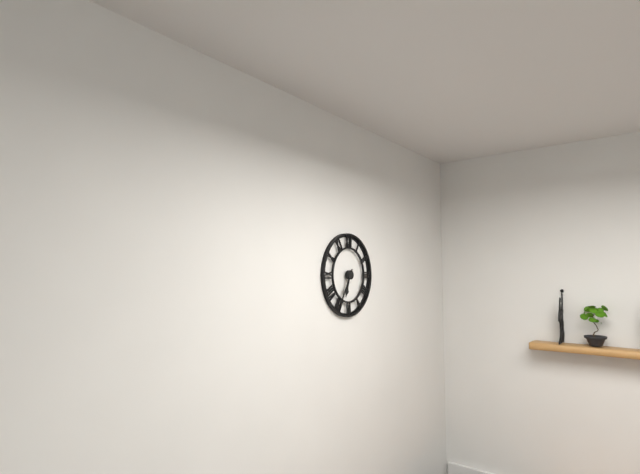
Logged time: 6,35
